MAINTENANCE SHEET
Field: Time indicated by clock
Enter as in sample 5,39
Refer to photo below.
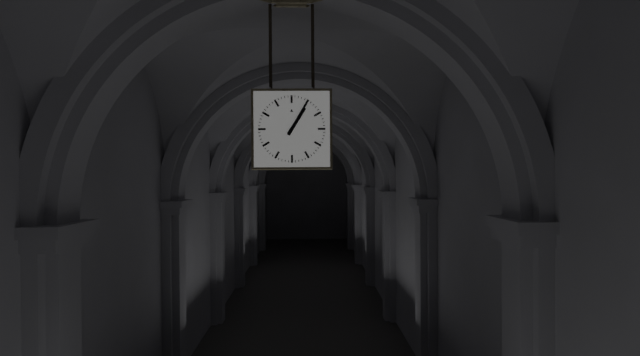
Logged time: 1,05
